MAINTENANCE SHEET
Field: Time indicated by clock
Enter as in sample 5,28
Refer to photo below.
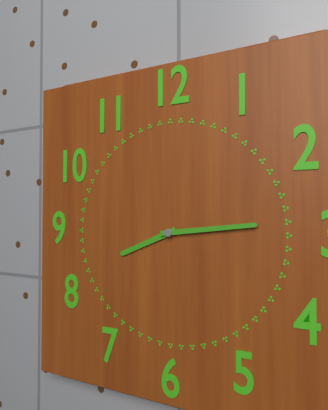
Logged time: 8,14
